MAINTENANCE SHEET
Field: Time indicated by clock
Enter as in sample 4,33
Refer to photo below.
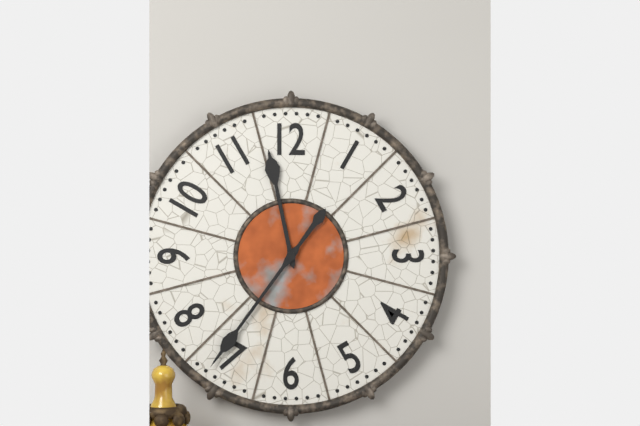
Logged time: 11,36
